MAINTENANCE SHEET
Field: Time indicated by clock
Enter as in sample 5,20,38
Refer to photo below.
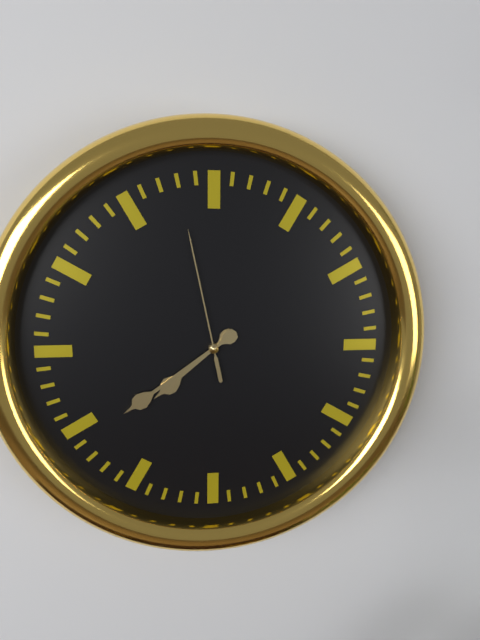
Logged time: 7,39,58
